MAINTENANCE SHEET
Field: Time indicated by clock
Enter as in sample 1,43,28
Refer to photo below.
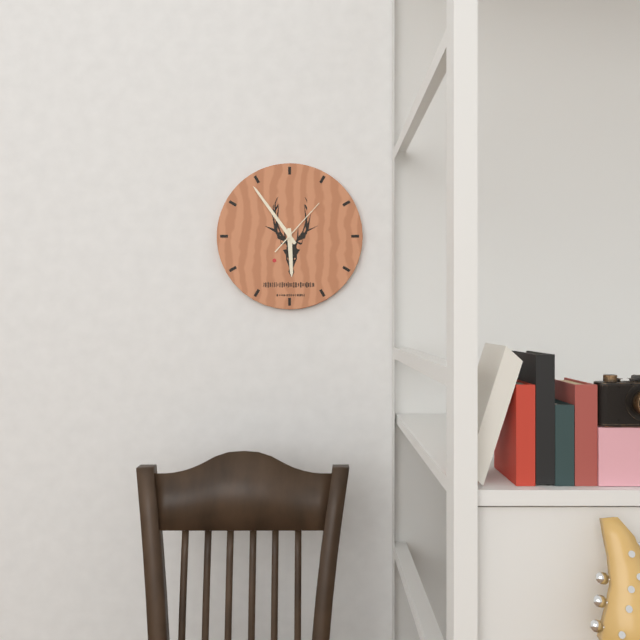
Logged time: 5,54,07
